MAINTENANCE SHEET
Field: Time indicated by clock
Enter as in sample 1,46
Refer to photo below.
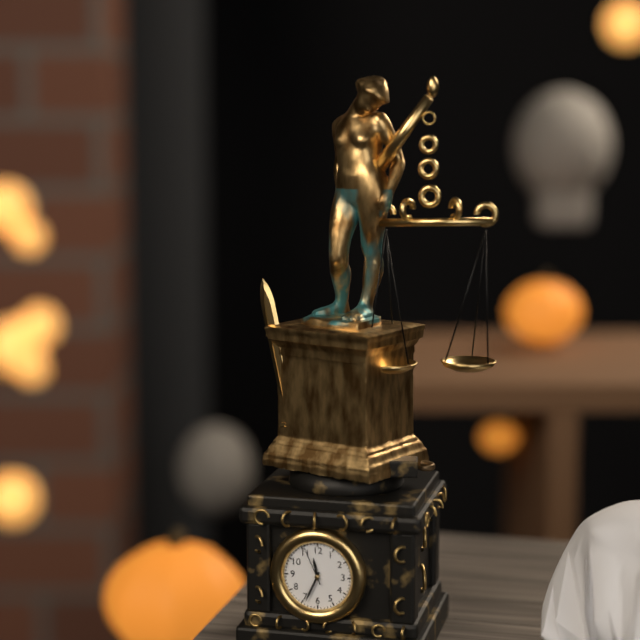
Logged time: 11,34
